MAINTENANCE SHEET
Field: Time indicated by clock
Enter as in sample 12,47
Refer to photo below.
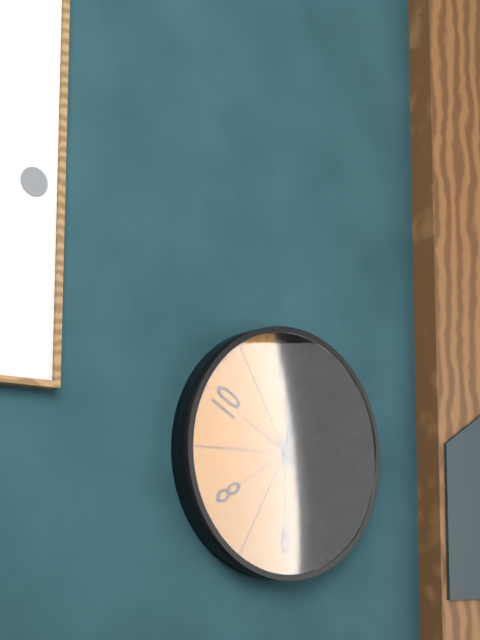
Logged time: 12,23
